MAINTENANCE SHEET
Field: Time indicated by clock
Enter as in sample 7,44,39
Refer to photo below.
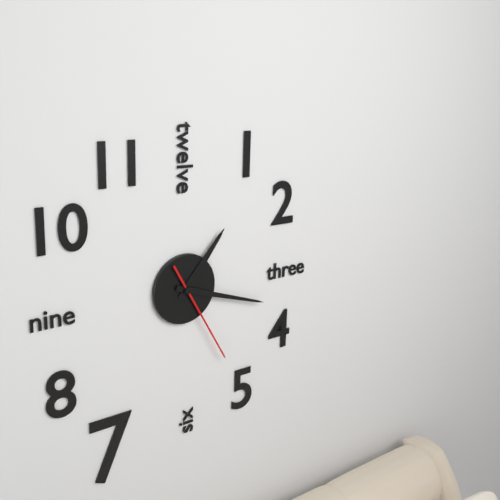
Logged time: 1,18,25
